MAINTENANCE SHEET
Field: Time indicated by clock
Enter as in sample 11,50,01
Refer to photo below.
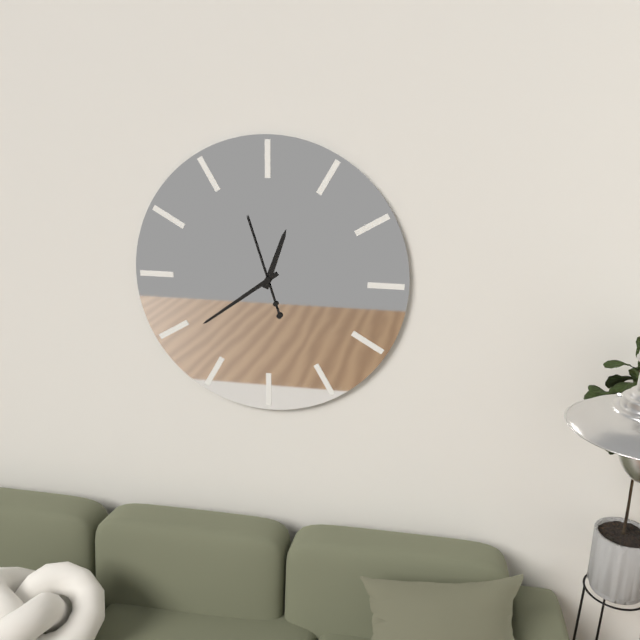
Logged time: 12,39,57
